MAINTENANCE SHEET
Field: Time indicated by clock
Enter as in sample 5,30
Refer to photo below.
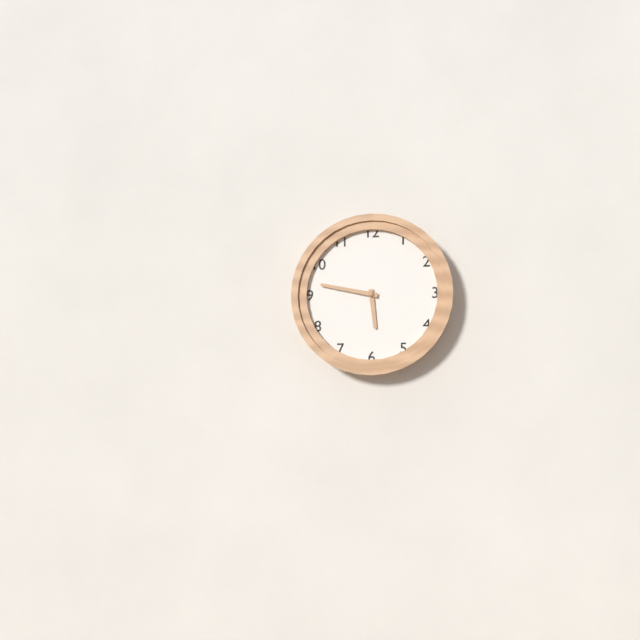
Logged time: 5,47
